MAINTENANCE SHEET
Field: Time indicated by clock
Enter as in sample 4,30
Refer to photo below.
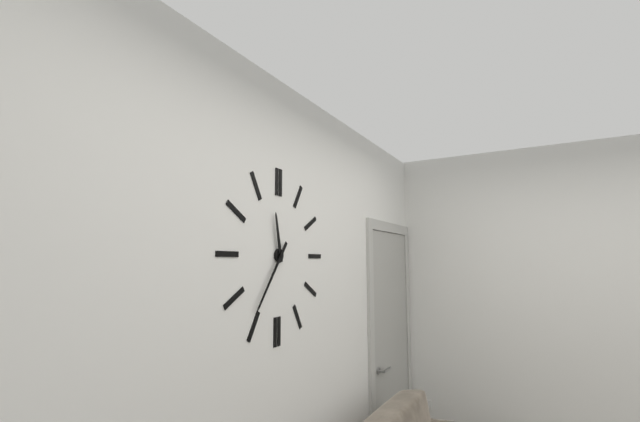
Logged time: 11,36
